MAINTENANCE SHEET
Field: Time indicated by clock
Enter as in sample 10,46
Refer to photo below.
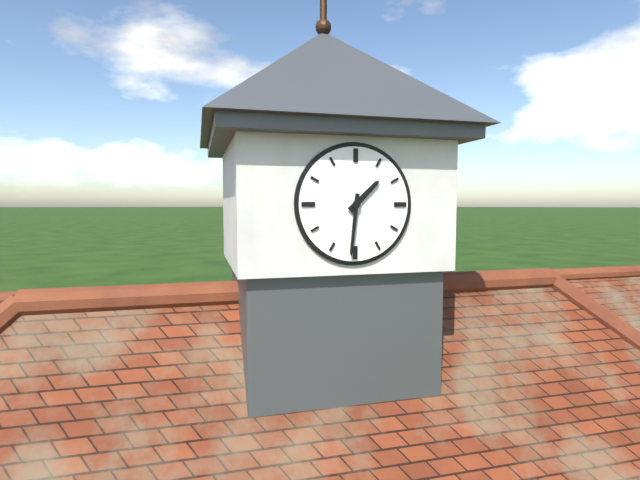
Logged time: 1,31
